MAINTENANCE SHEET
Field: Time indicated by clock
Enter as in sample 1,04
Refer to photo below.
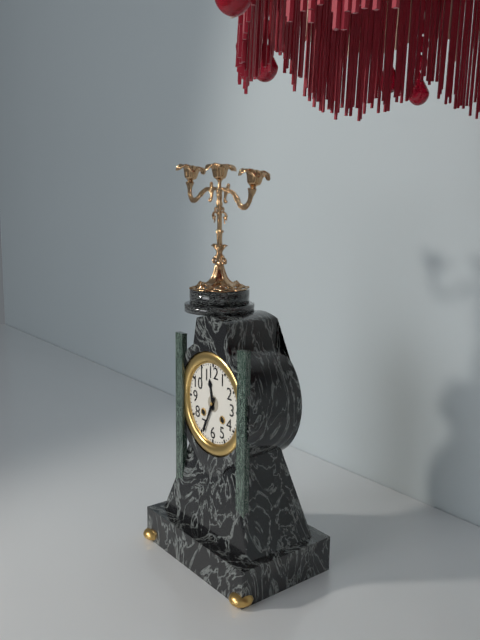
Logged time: 11,34
